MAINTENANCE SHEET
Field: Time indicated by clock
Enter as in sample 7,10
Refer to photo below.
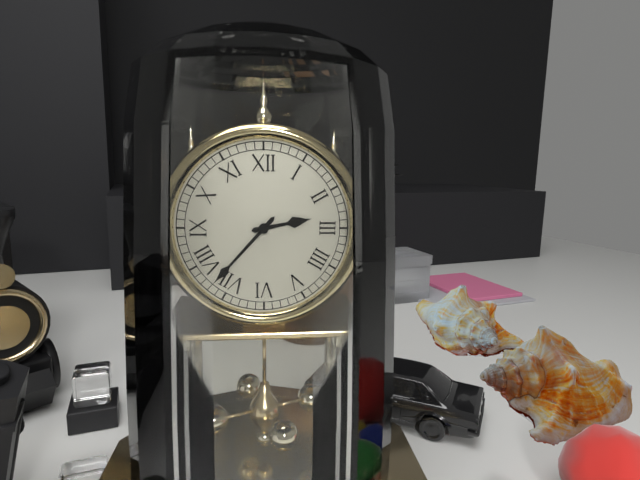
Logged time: 2,37
